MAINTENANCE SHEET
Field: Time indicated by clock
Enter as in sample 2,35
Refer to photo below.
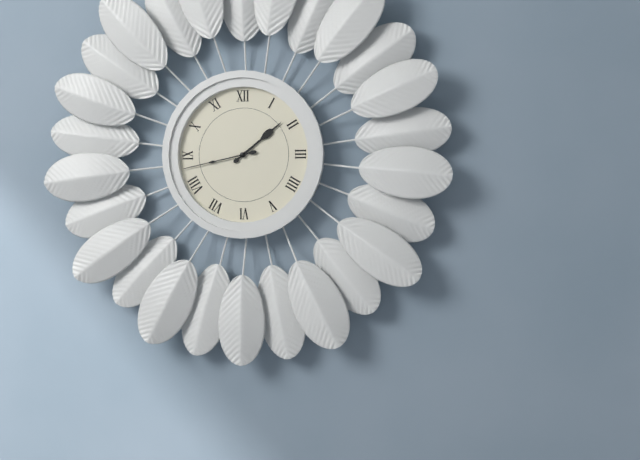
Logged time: 1,43
